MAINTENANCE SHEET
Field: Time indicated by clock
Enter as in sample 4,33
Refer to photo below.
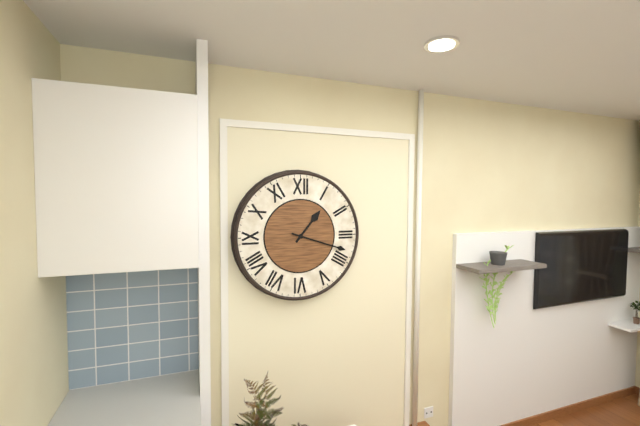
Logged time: 1,18
